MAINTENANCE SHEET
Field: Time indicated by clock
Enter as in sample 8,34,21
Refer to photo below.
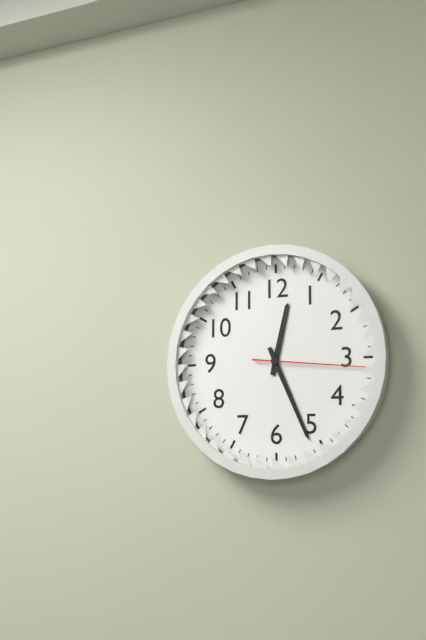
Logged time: 12,26,16
